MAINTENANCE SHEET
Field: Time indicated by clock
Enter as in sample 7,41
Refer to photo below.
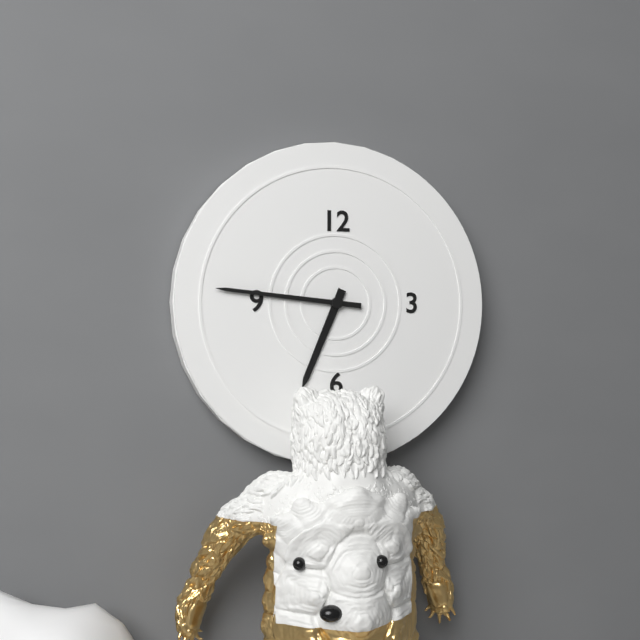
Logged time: 6,46
